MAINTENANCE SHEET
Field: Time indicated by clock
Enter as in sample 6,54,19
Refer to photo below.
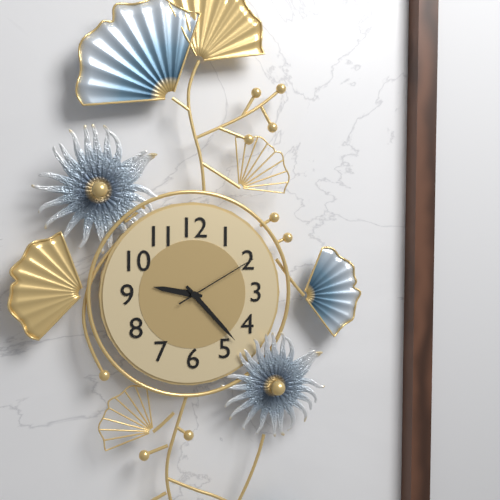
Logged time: 9,23,10
